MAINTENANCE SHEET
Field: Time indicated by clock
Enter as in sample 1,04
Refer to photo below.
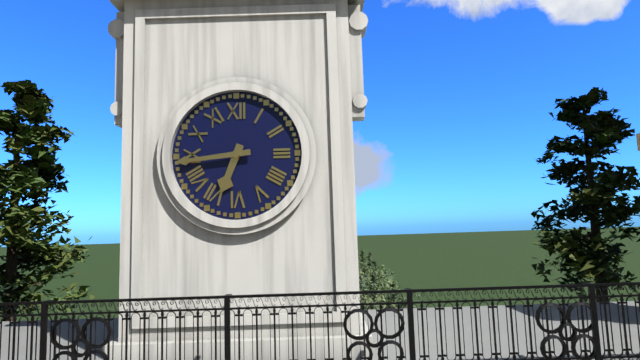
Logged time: 6,44
